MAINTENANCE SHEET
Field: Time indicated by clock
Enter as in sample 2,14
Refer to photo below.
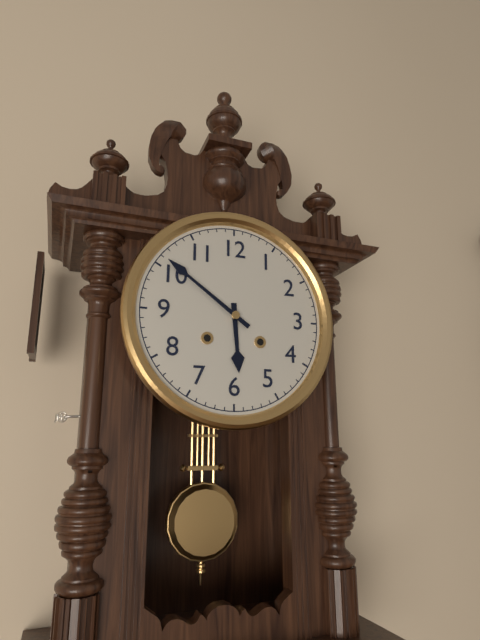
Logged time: 5,51
